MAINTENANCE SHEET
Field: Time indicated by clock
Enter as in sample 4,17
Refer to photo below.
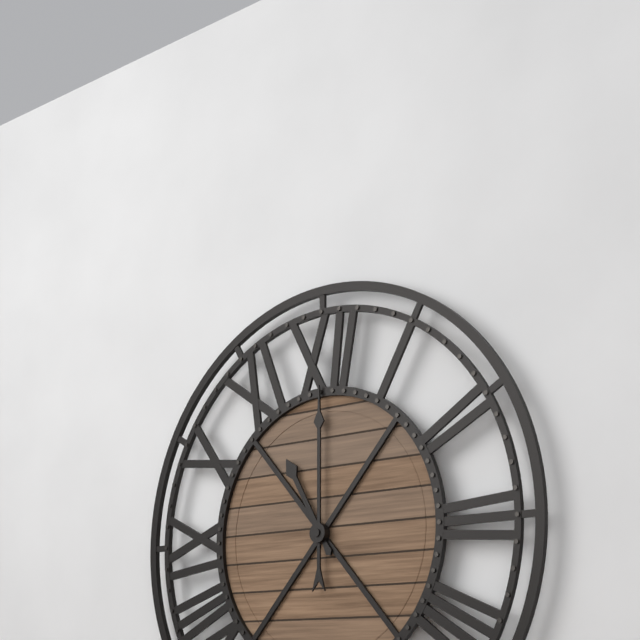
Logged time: 11,00
